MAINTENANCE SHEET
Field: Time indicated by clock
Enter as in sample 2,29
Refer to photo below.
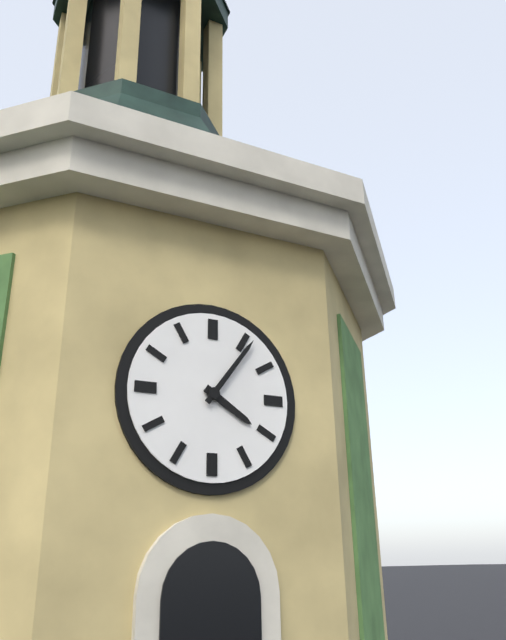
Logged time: 4,06
